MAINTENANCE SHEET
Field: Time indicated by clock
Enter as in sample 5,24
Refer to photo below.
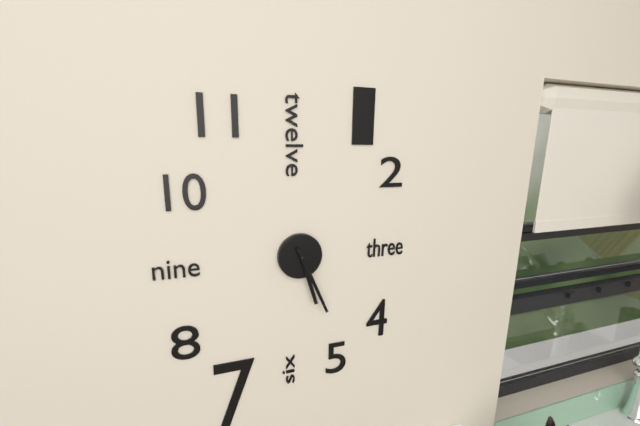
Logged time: 5,26
